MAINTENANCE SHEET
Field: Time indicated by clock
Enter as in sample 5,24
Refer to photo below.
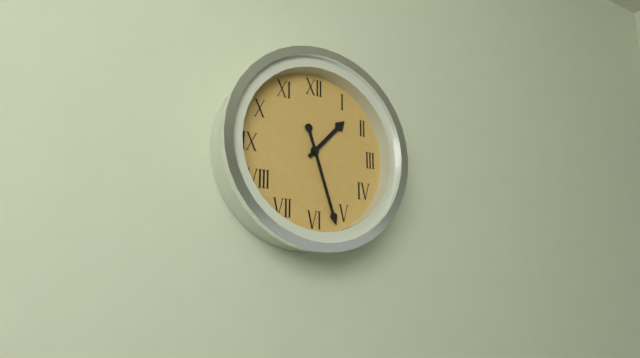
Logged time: 1,27
